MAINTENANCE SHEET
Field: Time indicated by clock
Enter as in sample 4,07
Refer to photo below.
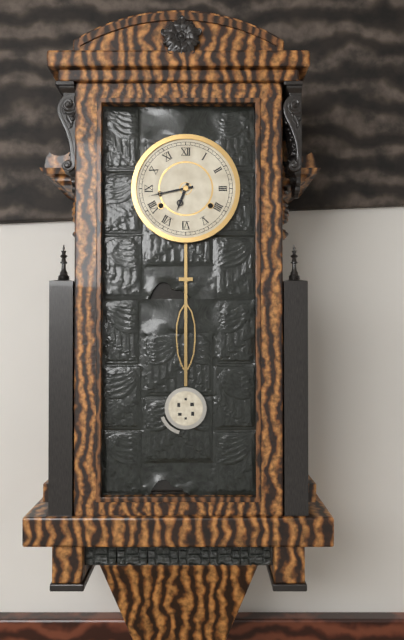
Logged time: 6,43
